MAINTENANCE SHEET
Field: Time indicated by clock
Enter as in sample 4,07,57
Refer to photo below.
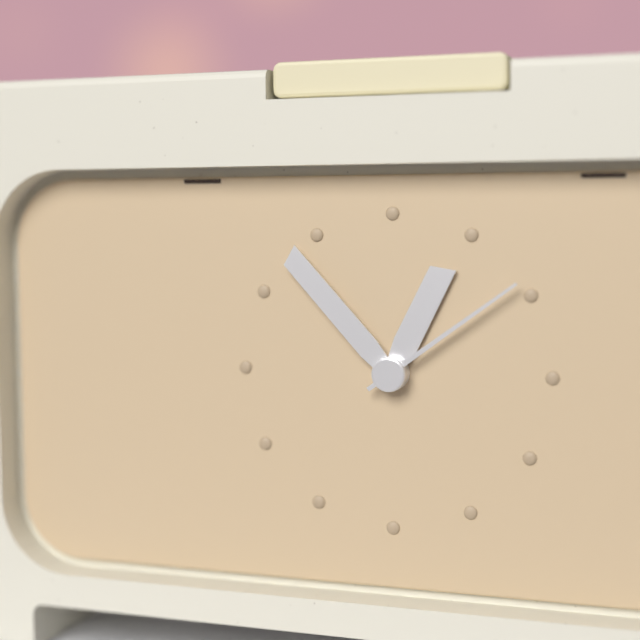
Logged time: 12,53,09
